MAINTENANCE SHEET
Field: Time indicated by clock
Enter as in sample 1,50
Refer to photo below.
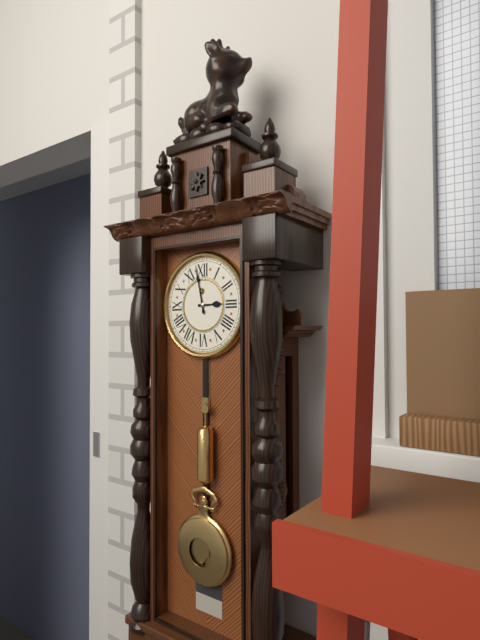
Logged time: 2,58
